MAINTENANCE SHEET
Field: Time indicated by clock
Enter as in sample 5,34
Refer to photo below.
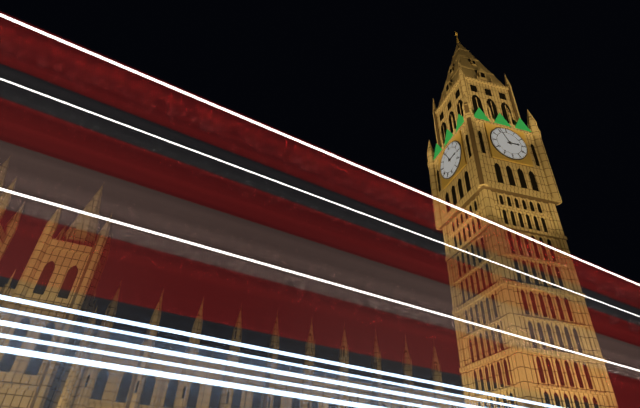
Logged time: 2,56
